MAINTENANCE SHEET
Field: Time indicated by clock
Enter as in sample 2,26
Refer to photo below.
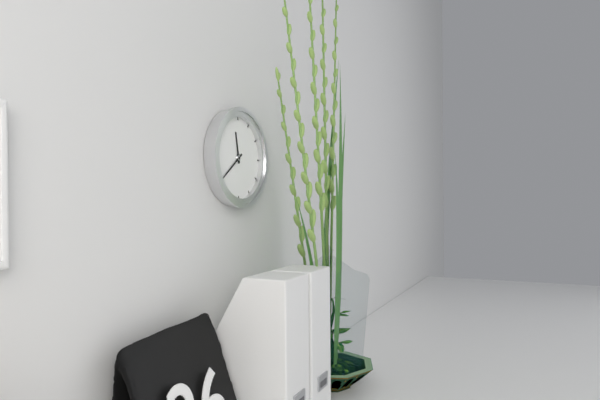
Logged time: 11,39
